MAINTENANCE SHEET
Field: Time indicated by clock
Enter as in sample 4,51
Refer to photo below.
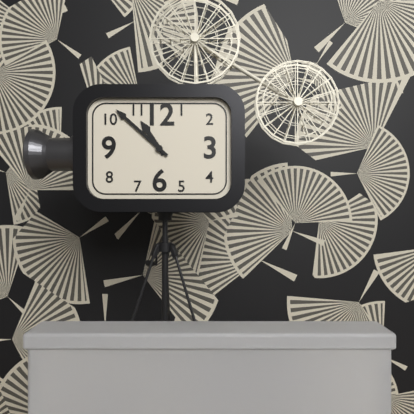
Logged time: 10,52
